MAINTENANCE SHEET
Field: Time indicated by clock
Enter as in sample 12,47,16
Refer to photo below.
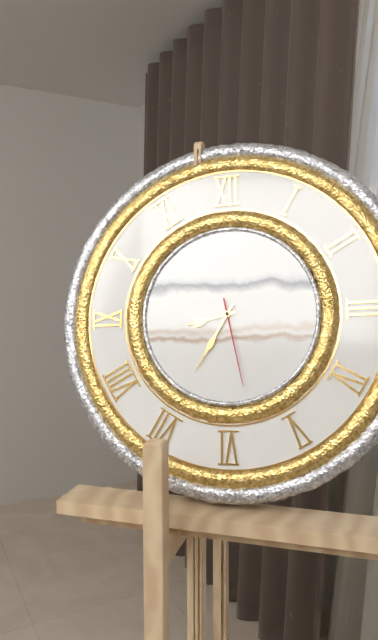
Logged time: 8,35,28
